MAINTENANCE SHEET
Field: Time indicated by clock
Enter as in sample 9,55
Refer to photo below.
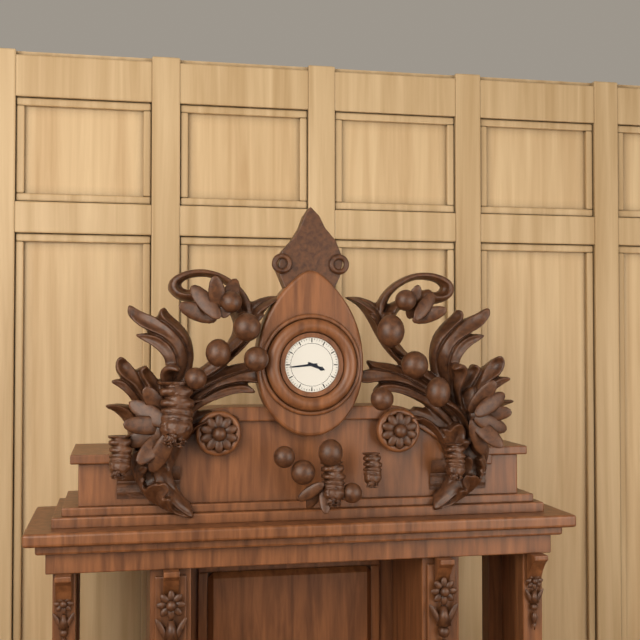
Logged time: 3,44
